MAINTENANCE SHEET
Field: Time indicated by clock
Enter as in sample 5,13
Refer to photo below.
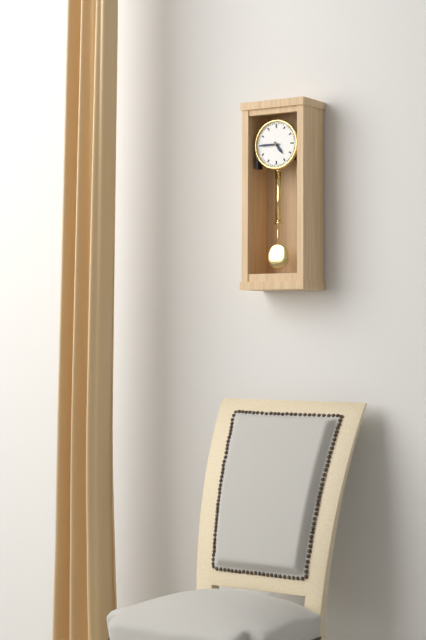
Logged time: 4,45
